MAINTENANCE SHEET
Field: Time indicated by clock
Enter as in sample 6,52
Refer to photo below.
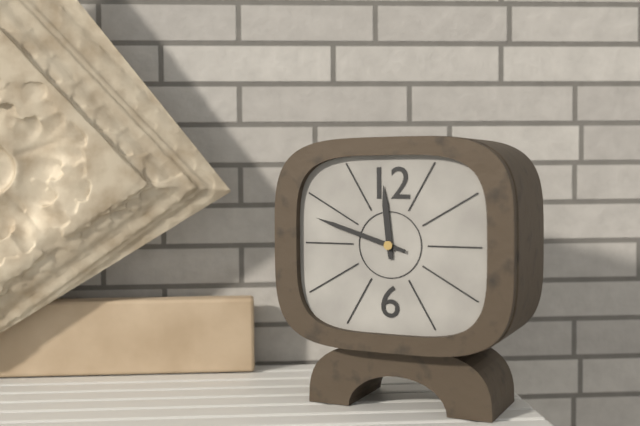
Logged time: 11,48
